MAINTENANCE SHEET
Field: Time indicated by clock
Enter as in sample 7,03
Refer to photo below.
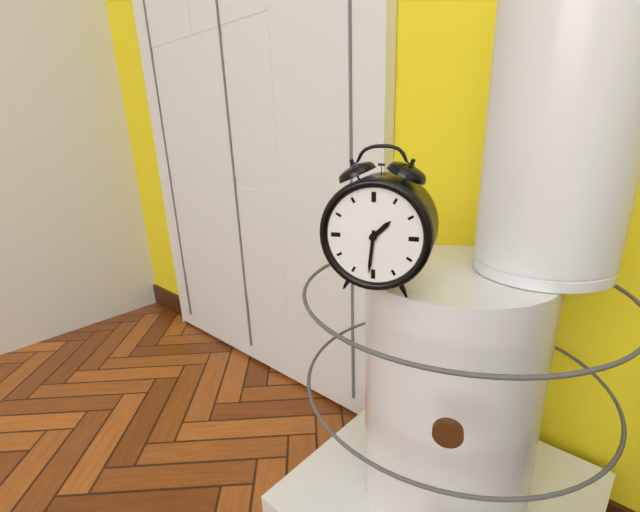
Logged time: 1,31
